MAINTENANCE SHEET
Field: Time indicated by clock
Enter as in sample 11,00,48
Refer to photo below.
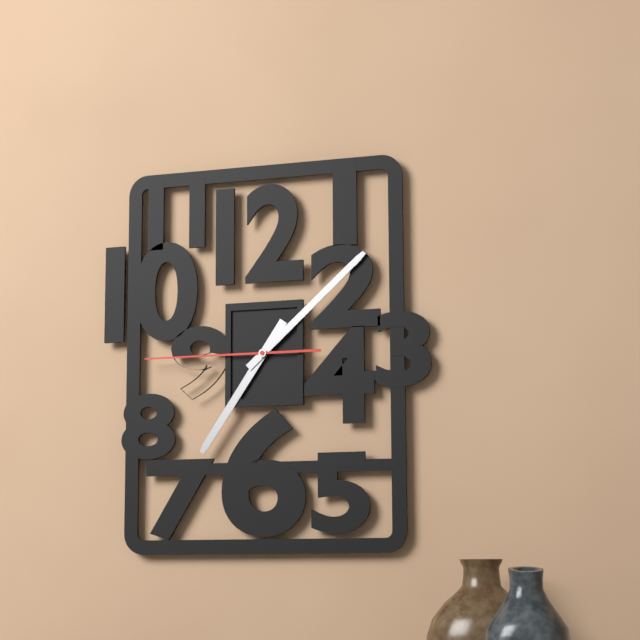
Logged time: 7,08,45
